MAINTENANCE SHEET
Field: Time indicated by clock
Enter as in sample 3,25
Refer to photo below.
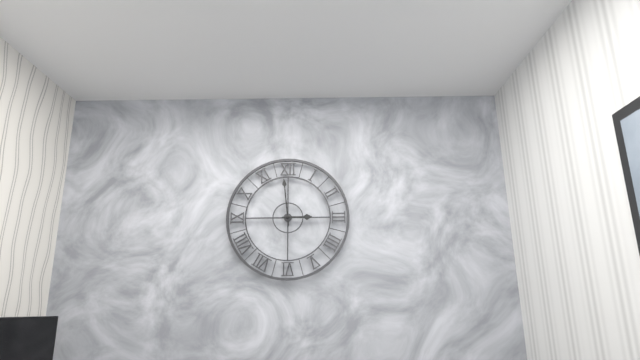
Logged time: 2,59
